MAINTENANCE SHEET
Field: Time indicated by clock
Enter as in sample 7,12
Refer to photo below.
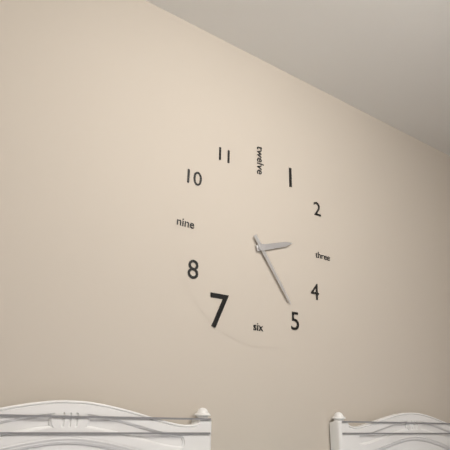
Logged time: 2,24
